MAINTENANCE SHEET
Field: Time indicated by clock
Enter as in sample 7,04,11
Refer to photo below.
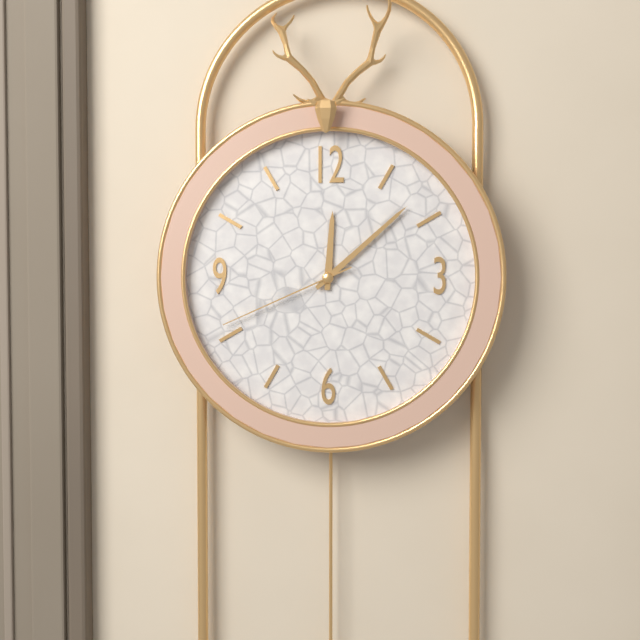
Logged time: 12,08,41
